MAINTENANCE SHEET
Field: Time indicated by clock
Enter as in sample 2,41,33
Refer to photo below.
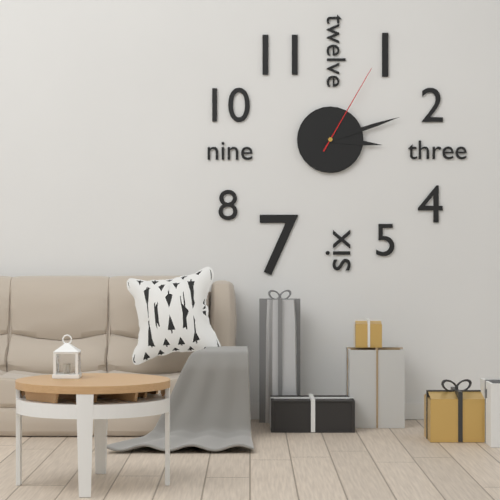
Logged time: 3,12,05
